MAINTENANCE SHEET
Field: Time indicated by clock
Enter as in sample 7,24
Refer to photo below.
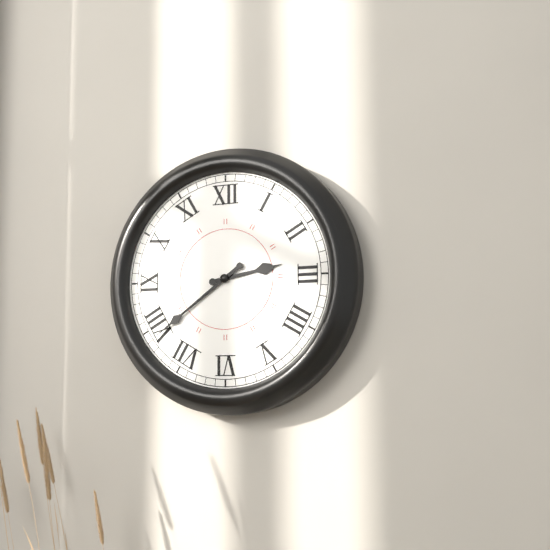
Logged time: 2,39
